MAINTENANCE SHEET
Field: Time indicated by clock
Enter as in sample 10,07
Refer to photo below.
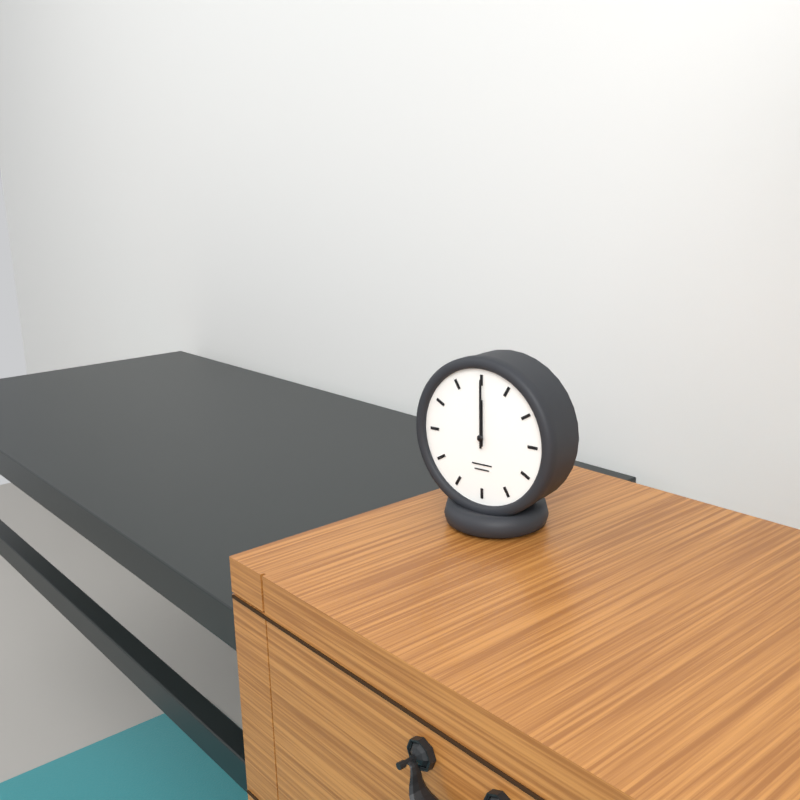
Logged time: 12,00
